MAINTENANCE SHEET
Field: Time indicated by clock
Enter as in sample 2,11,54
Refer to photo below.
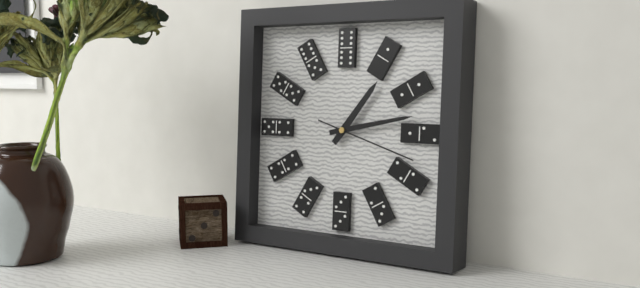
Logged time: 1,13,18
